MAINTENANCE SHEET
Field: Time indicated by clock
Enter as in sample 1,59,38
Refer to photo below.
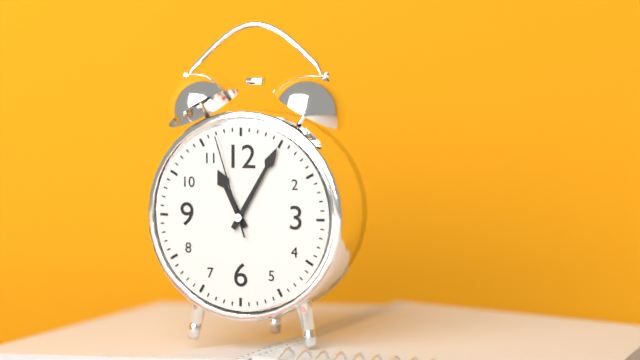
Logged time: 11,05,57
